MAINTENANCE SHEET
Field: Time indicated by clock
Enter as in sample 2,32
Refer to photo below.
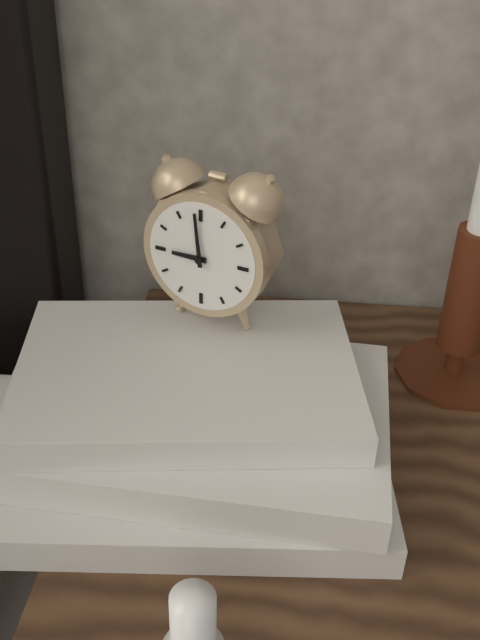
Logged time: 8,59
